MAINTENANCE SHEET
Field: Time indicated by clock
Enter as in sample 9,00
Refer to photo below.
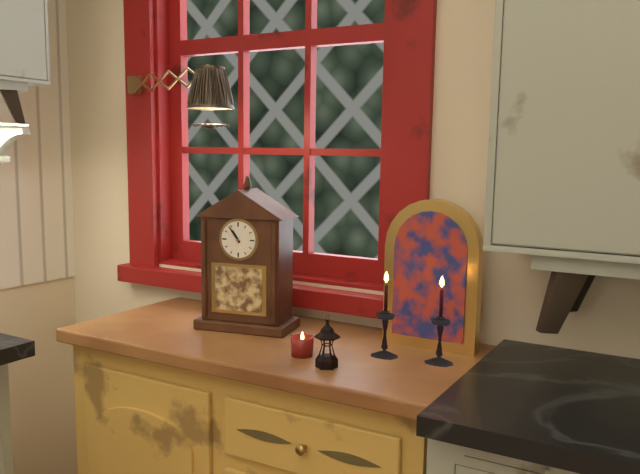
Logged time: 10,54
